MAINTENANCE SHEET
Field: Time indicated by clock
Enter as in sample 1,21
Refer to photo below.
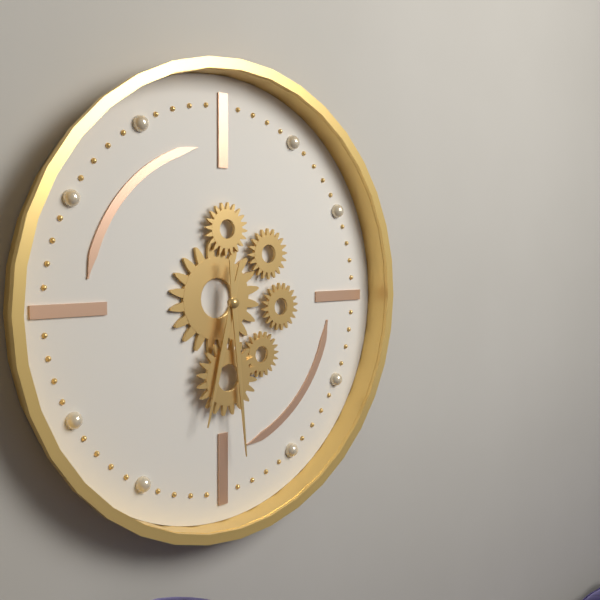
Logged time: 6,29
